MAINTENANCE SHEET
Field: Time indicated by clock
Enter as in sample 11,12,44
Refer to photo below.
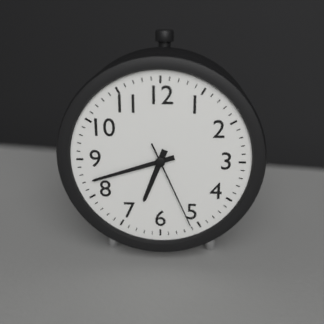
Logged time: 6,42,26
